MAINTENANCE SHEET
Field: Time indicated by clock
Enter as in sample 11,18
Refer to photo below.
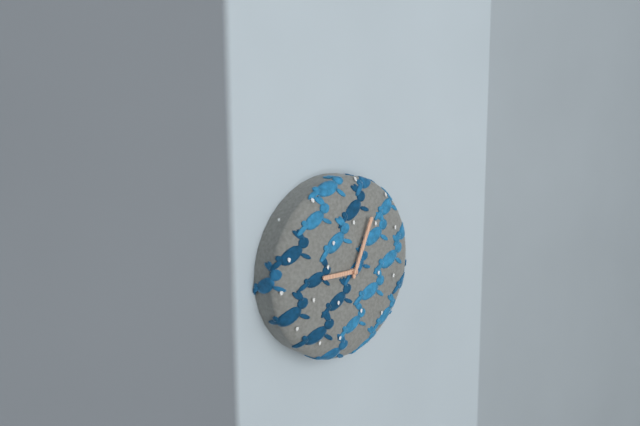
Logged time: 9,04
